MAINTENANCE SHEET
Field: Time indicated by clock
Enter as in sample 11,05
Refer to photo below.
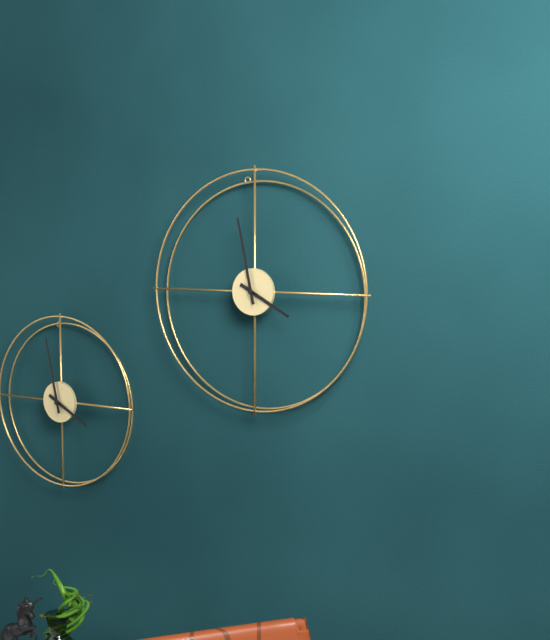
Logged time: 3,58
